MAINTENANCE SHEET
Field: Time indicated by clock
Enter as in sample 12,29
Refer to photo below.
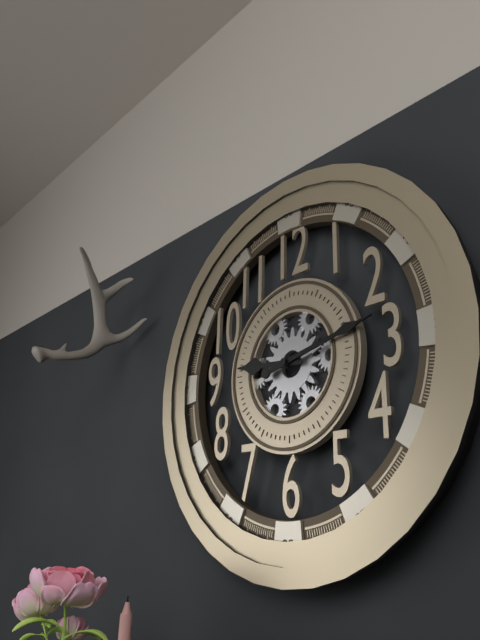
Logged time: 9,13
